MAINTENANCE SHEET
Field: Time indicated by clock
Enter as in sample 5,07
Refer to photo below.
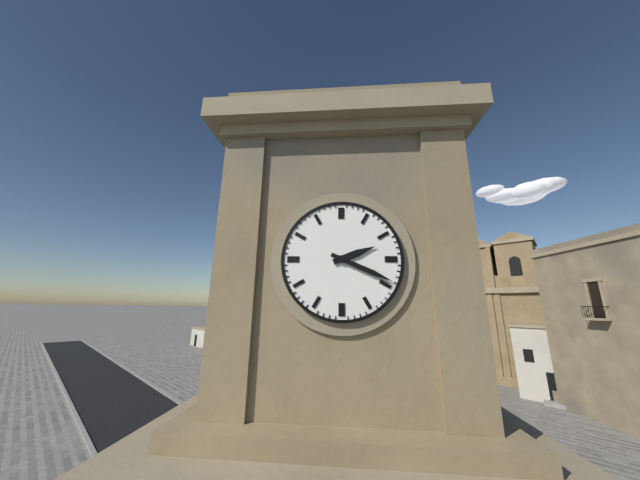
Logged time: 2,19
